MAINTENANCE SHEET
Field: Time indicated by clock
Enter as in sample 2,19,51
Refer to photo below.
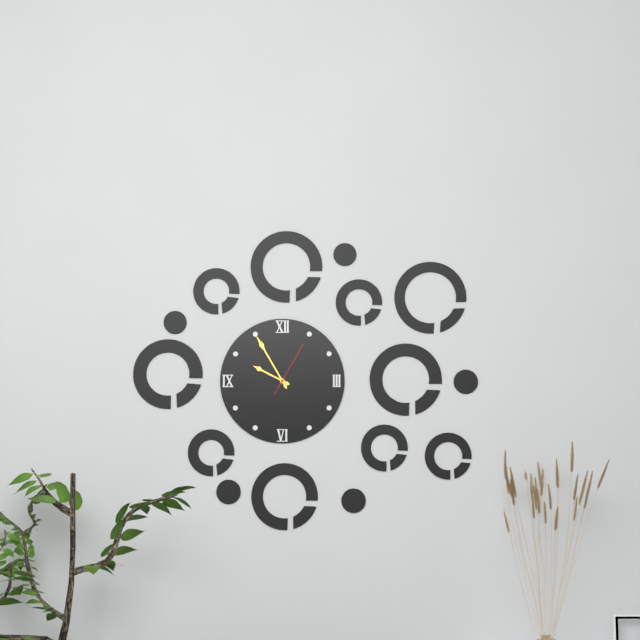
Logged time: 9,55,05
